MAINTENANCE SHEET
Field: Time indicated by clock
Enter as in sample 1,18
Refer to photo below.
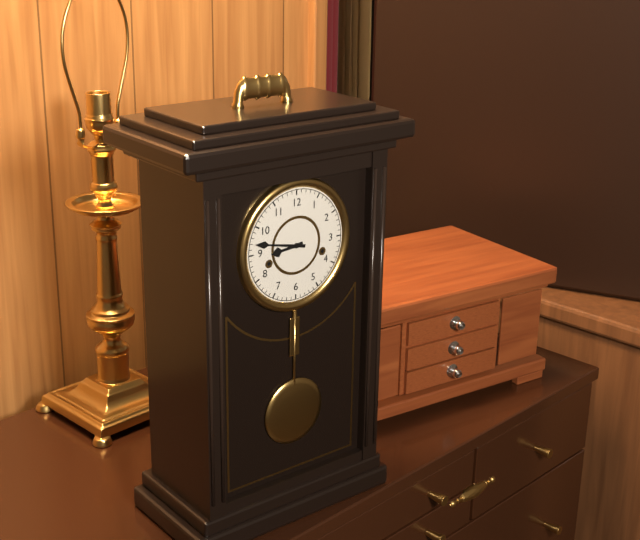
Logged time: 8,47
